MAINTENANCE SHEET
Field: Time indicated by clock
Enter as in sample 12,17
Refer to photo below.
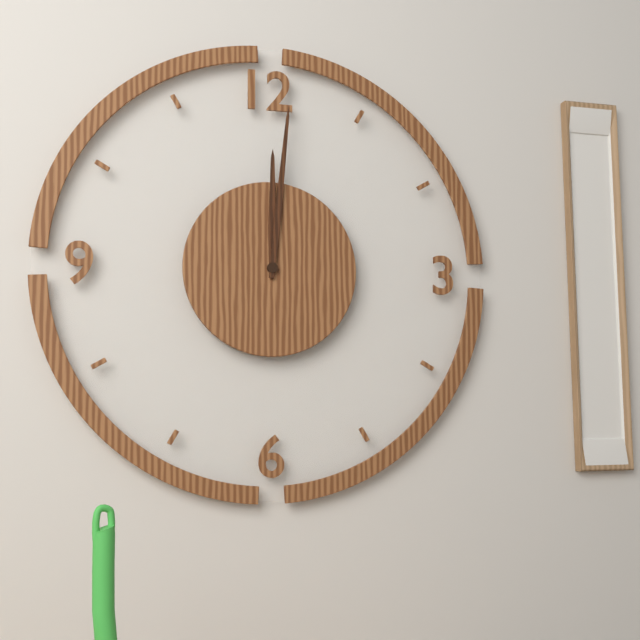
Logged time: 12,01
